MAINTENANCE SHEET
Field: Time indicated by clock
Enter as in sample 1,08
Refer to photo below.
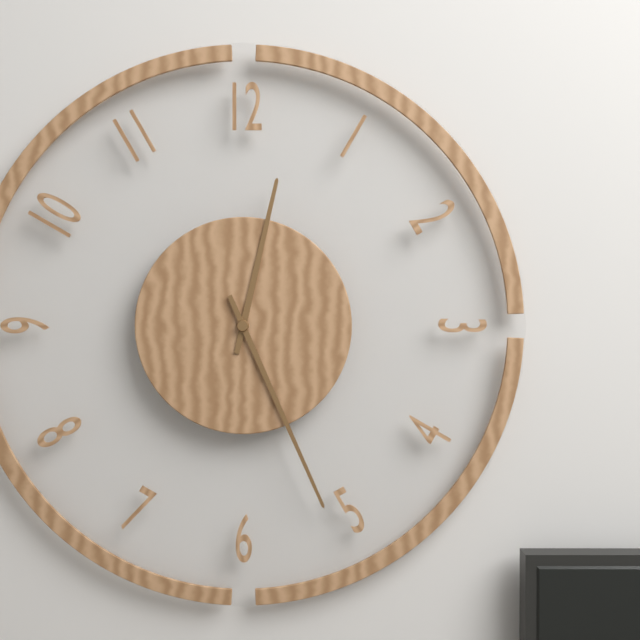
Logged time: 12,26
